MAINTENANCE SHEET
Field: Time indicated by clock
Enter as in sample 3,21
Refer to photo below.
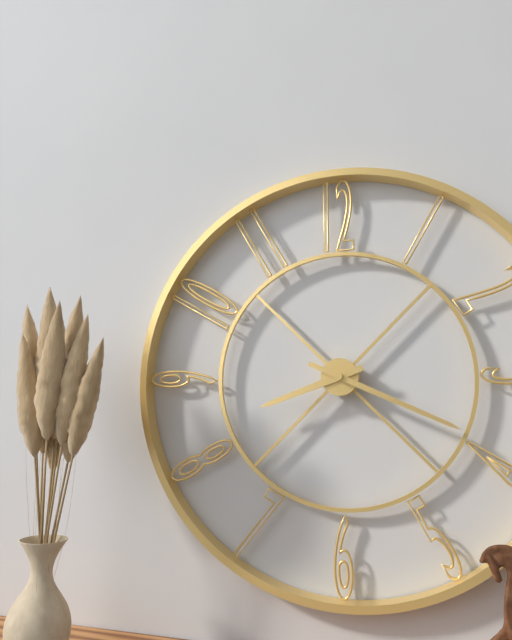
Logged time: 8,19
